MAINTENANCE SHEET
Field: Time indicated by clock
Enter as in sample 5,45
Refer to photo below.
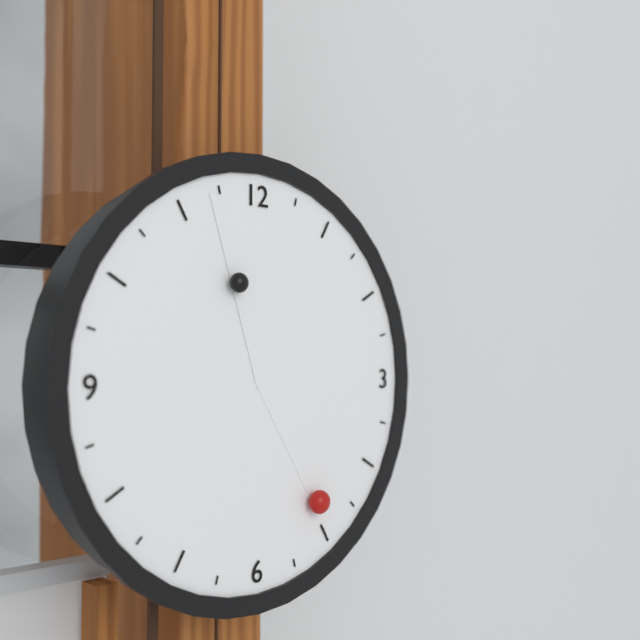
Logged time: 4,57
